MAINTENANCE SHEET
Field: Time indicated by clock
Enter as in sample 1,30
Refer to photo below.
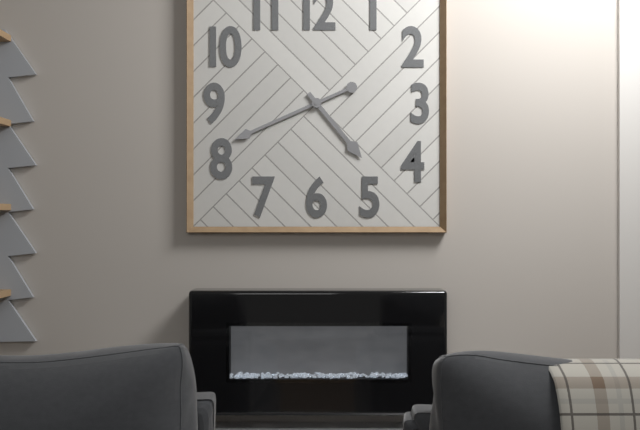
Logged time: 4,41
